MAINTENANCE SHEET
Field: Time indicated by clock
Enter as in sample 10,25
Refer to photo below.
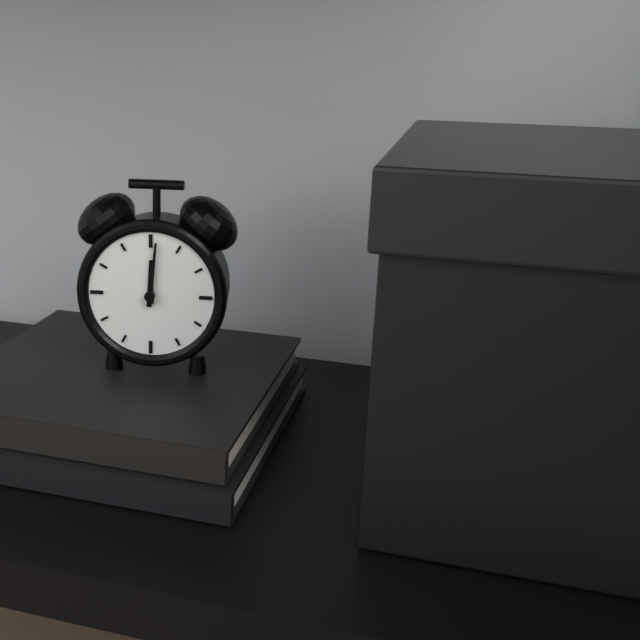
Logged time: 12,01
